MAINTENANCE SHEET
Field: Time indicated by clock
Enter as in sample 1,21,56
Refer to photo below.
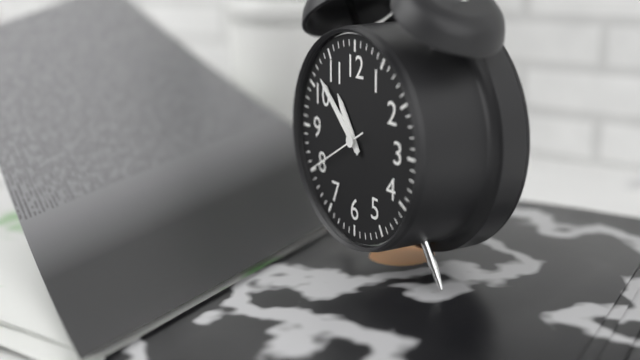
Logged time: 10,52,40
